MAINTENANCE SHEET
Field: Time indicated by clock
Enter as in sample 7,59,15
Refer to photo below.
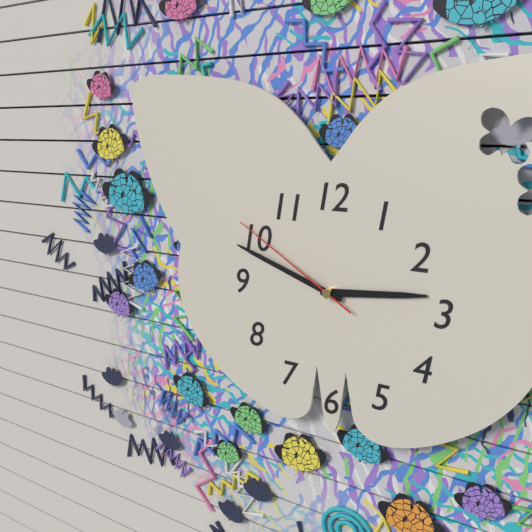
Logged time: 2,48,50
